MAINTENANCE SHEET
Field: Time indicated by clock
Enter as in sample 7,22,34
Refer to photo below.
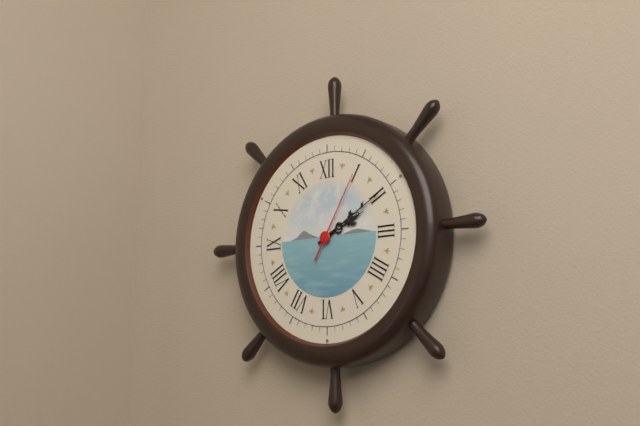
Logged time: 2,10,05
